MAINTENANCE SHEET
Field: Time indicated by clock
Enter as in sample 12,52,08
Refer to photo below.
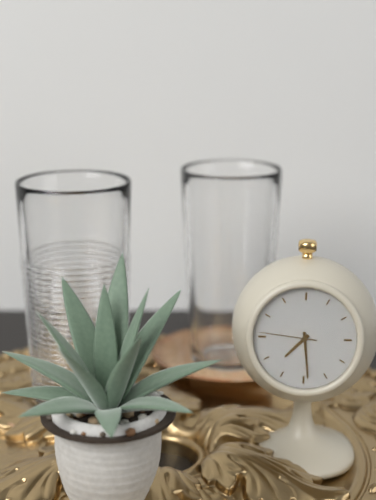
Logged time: 7,29,46
